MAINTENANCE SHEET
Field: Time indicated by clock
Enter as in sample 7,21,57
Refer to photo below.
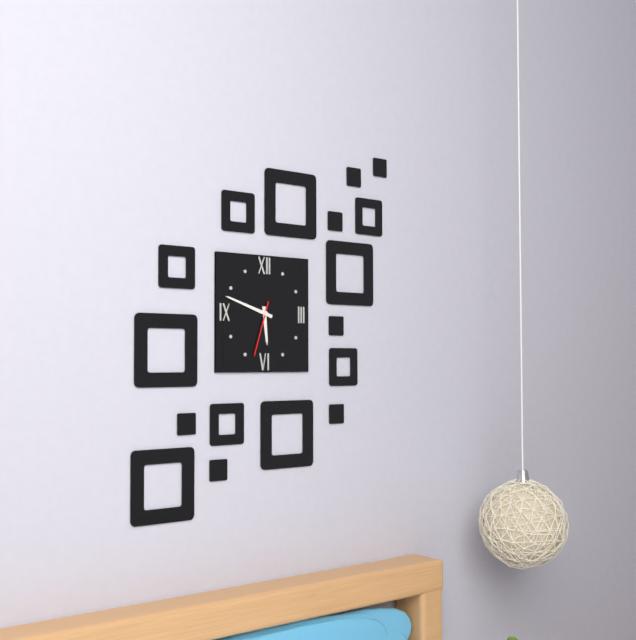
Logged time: 5,48,33
